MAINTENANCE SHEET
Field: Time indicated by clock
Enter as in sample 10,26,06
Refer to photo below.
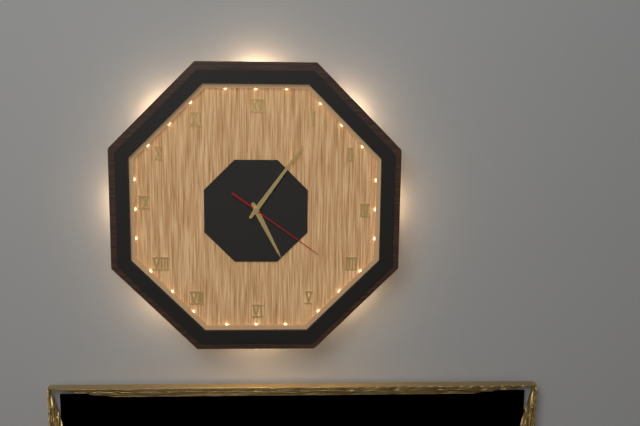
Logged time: 5,06,21
